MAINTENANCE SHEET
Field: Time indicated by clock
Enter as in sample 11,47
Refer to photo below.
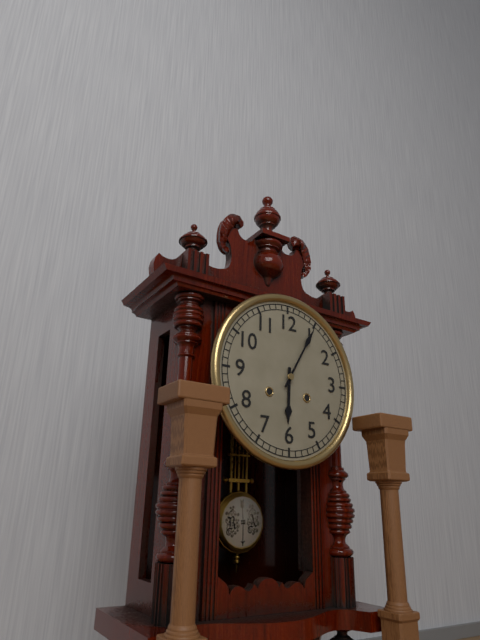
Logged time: 6,05
